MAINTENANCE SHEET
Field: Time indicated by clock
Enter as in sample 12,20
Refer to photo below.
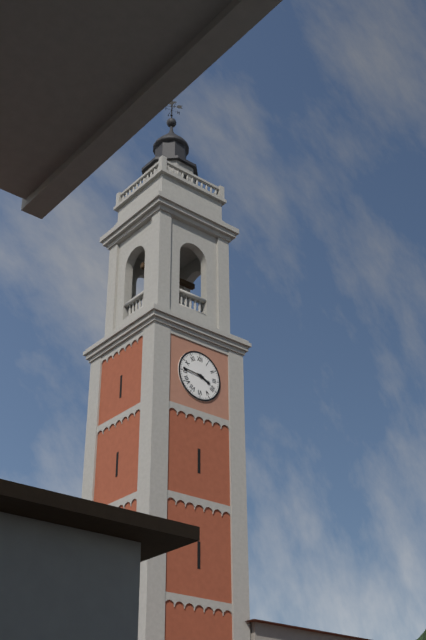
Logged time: 3,46
